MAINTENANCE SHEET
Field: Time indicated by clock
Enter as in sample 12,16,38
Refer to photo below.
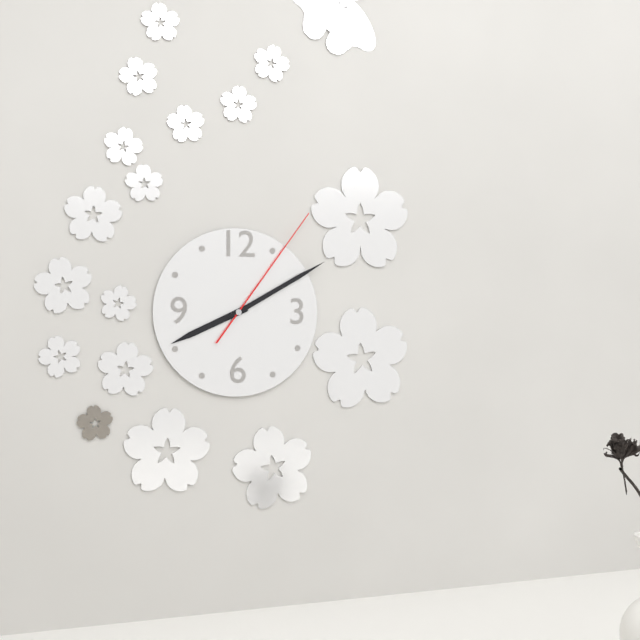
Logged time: 8,10,06
